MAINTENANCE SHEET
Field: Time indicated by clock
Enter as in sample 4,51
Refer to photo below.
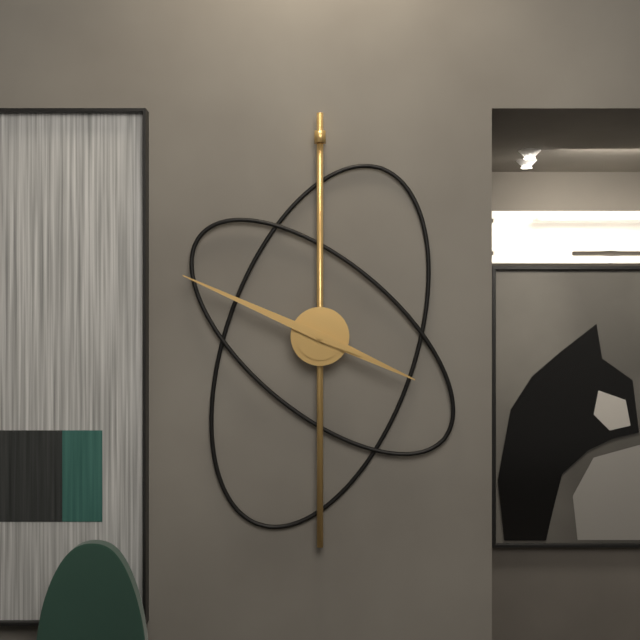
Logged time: 3,49
